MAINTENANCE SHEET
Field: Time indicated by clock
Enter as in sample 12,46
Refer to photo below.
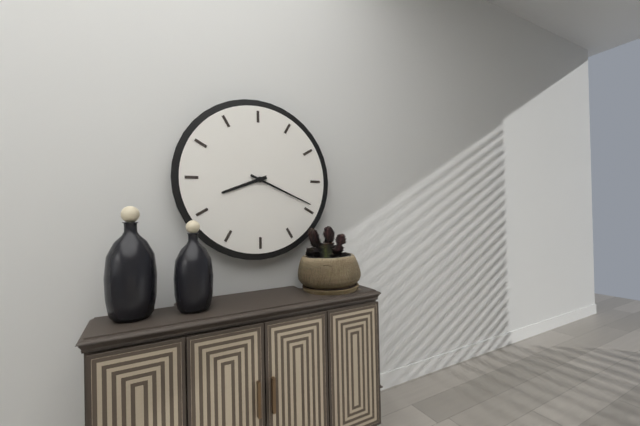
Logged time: 8,19
